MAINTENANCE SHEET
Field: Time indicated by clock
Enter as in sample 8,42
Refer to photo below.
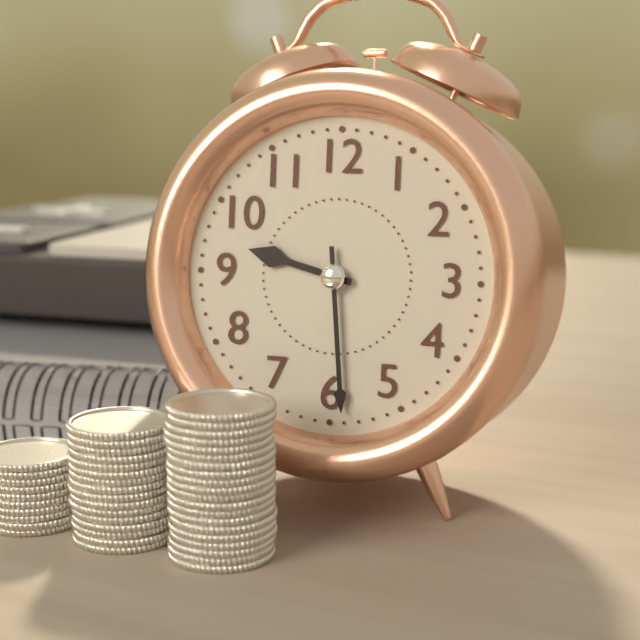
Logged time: 9,29
